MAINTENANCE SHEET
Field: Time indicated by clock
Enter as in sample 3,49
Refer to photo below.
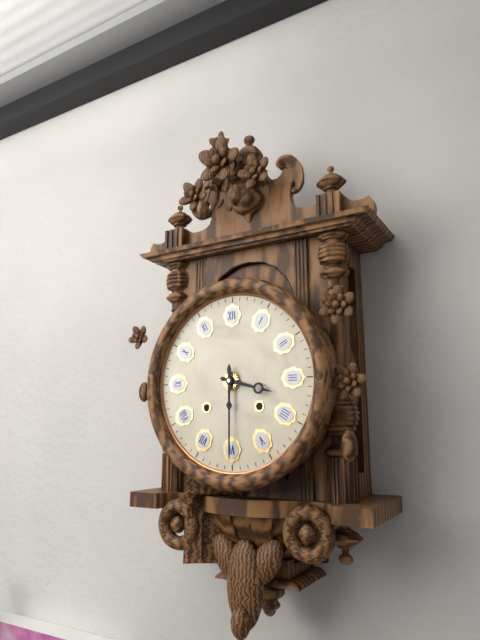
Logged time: 3,30
